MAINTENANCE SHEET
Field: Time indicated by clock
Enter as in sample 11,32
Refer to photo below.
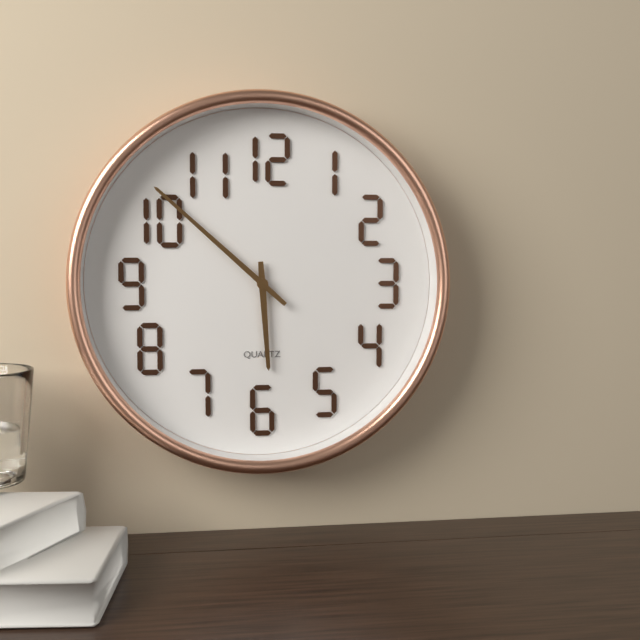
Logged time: 5,52
